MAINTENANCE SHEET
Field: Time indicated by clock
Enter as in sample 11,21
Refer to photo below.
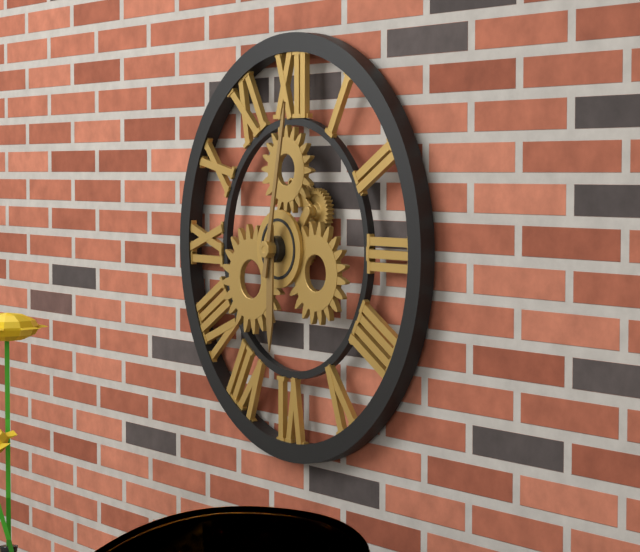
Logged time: 6,02
